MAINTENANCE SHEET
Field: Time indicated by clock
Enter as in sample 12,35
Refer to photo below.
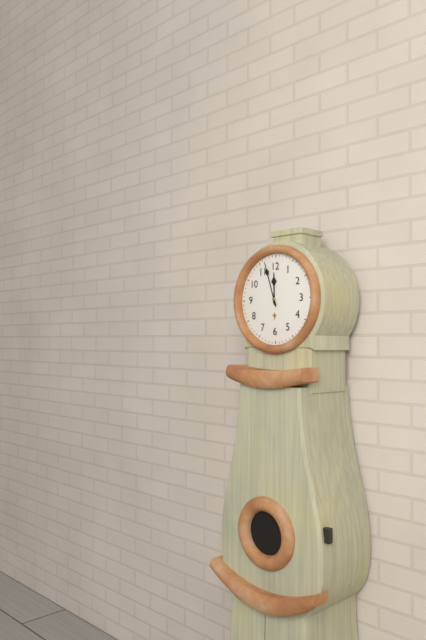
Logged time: 11,57
